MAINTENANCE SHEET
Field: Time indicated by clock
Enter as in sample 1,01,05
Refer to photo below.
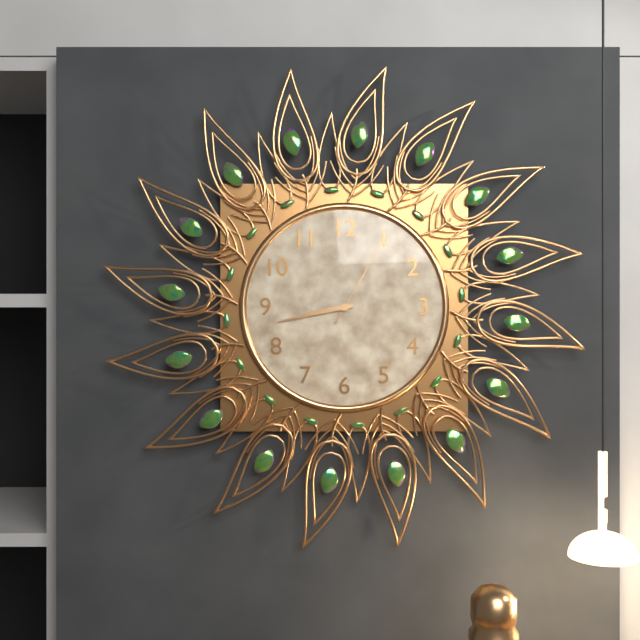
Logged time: 8,43,05
